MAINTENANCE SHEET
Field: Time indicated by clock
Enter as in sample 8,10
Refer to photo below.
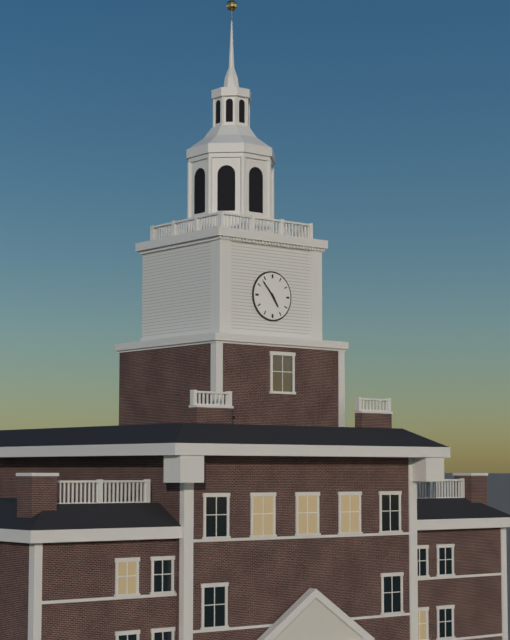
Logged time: 4,53
